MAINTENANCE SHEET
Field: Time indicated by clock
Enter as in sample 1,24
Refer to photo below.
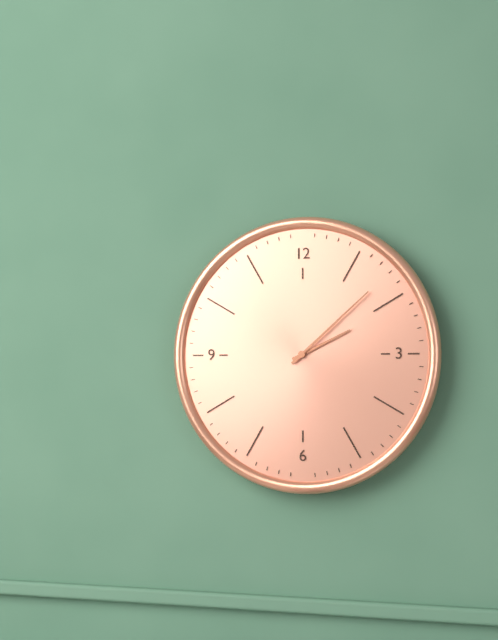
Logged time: 2,08
